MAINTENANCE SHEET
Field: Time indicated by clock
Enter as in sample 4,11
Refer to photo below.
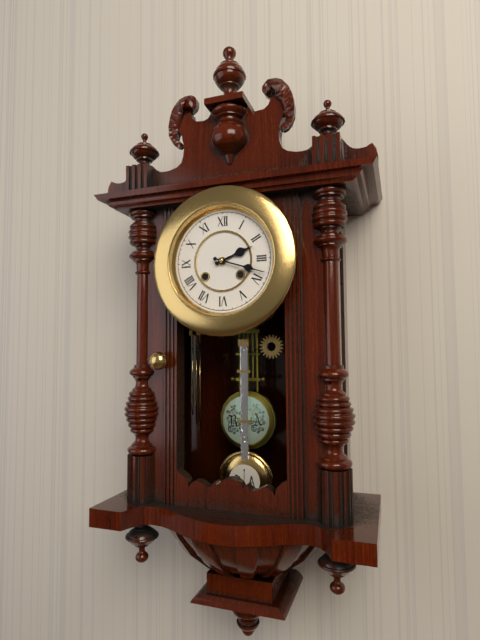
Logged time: 2,18
